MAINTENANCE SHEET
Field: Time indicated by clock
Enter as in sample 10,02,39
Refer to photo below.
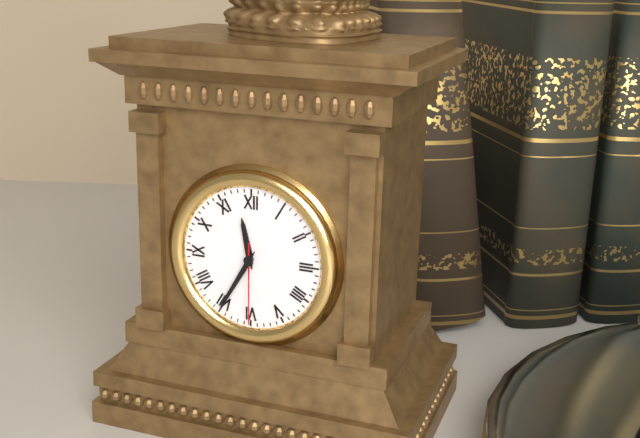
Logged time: 11,35,30
